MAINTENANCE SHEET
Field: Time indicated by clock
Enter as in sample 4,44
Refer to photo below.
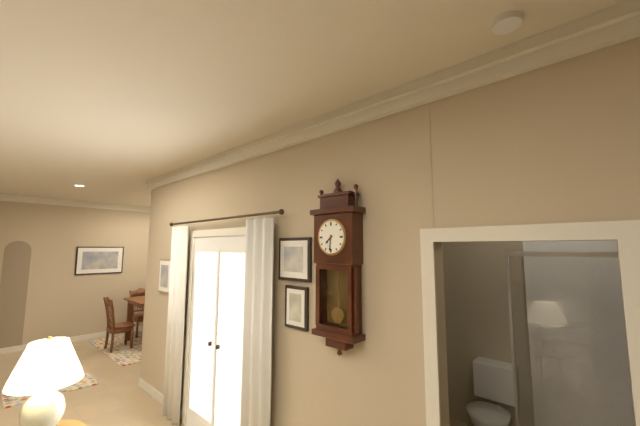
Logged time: 7,31
